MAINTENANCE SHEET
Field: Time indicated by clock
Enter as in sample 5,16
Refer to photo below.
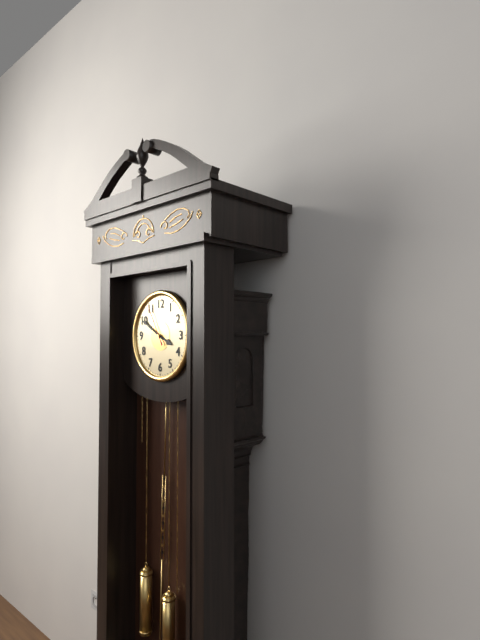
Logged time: 3,50
